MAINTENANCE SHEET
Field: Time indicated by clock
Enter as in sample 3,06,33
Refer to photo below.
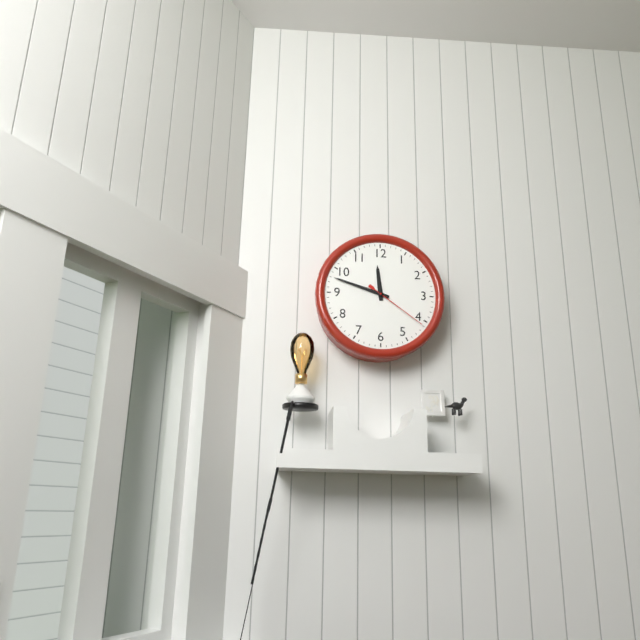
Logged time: 11,48,21
